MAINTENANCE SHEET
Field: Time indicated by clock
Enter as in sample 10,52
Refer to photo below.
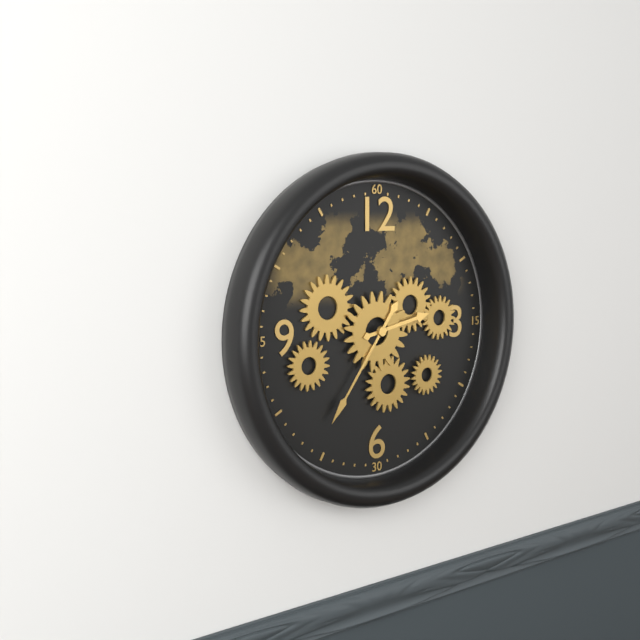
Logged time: 2,36
